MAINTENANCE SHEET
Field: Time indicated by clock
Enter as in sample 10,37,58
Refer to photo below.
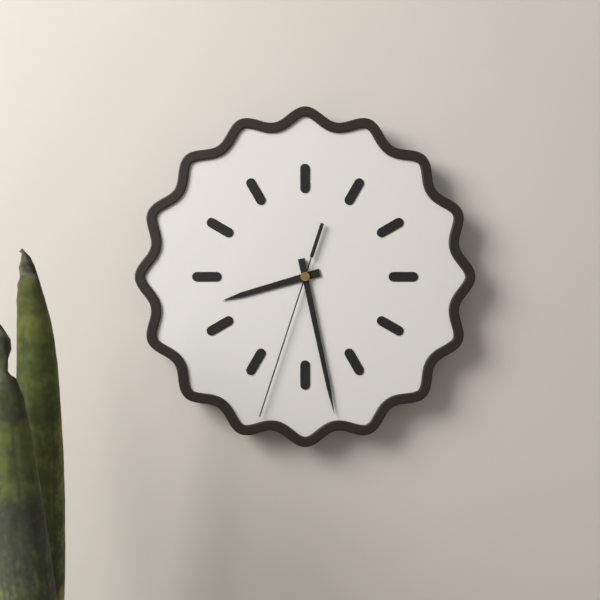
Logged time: 8,28,33
